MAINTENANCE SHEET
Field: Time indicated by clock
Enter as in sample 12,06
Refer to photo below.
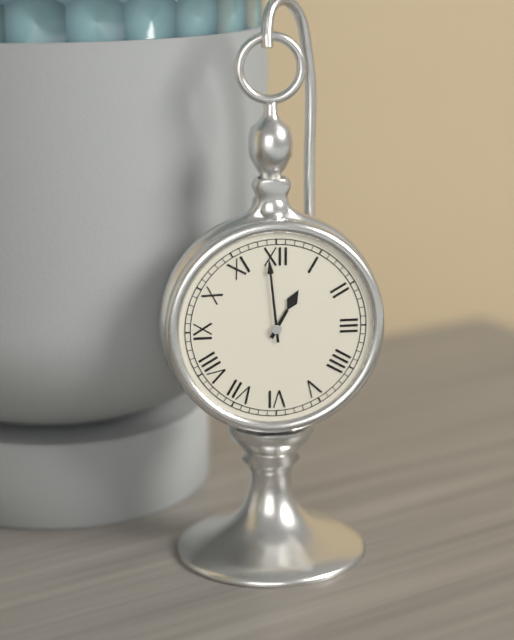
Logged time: 12,59
